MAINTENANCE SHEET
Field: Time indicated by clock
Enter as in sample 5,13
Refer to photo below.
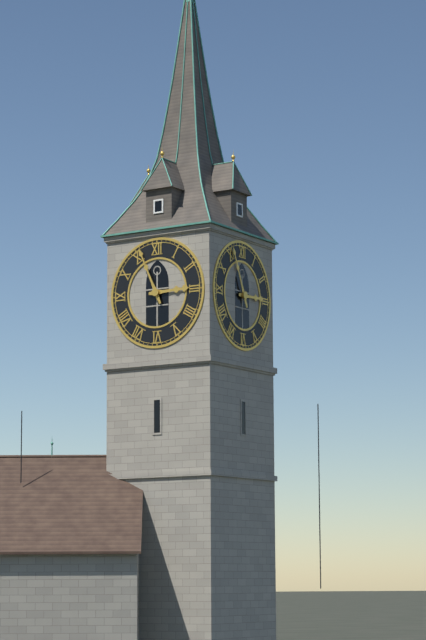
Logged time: 2,56
